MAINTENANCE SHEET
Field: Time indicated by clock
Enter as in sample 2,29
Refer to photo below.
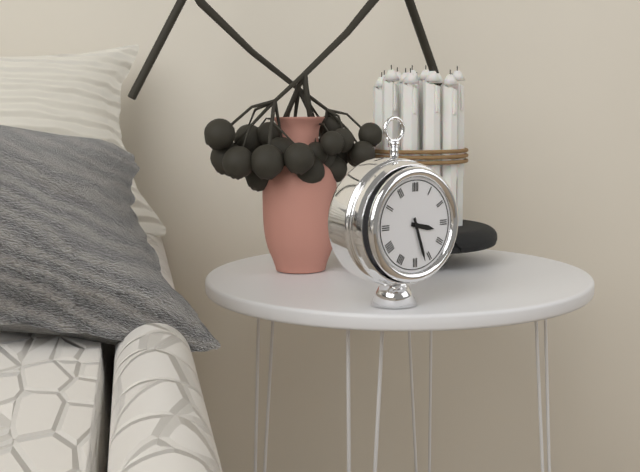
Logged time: 3,27
